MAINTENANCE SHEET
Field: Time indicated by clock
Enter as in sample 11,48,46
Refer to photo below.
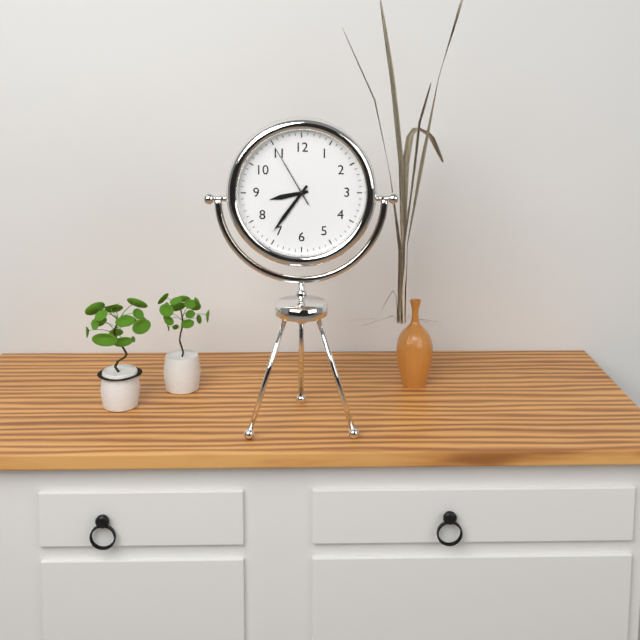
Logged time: 8,36,55
